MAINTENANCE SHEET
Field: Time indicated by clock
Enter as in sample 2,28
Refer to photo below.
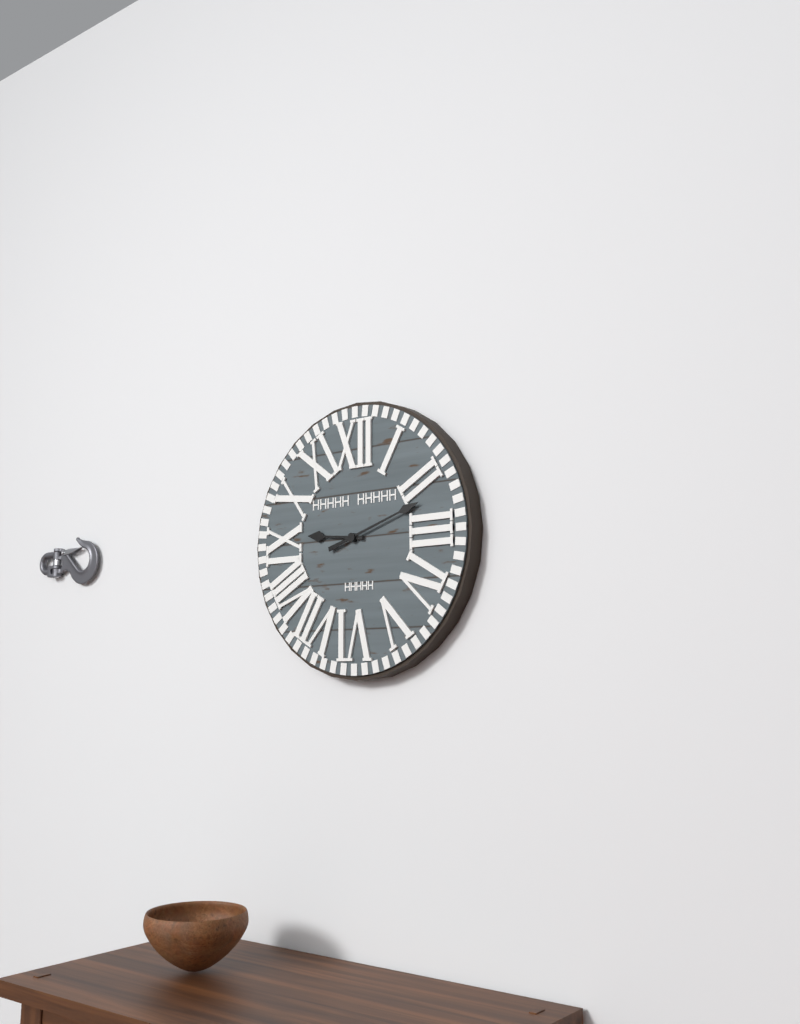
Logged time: 9,12
